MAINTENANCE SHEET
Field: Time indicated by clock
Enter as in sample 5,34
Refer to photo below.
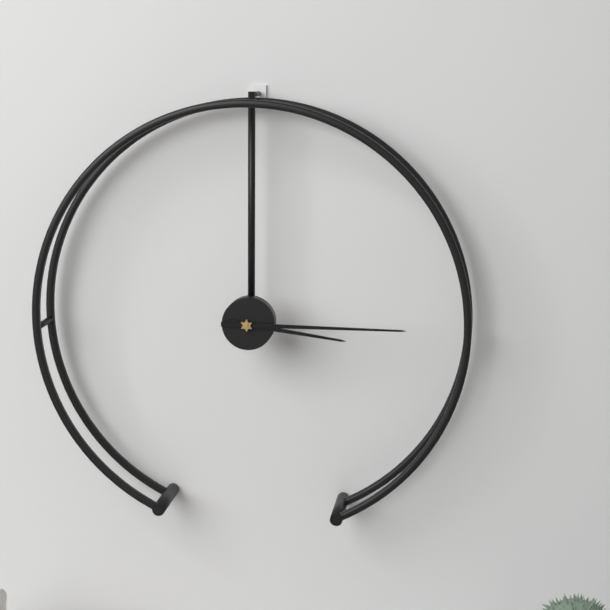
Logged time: 3,15
